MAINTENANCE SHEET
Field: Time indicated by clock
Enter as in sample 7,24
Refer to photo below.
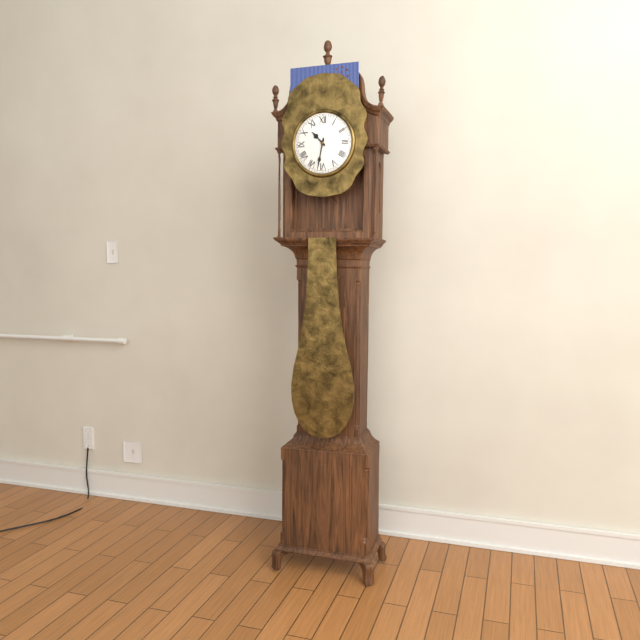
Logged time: 10,32
